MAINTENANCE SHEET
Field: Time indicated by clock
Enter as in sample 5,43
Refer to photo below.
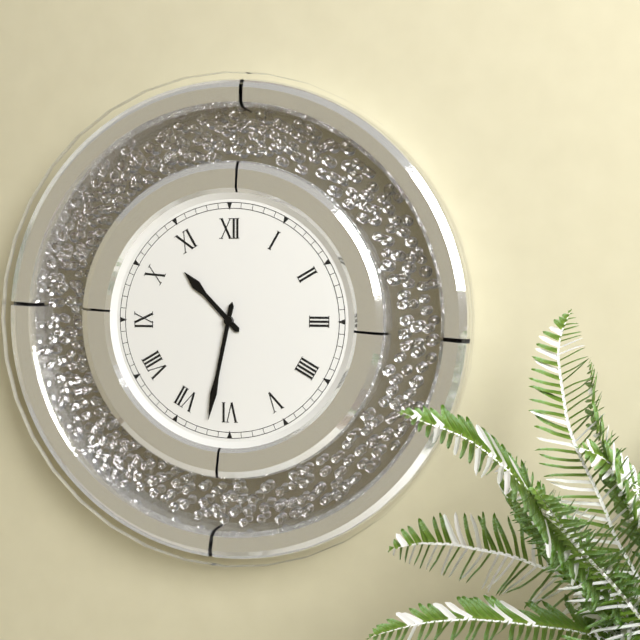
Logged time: 10,32
